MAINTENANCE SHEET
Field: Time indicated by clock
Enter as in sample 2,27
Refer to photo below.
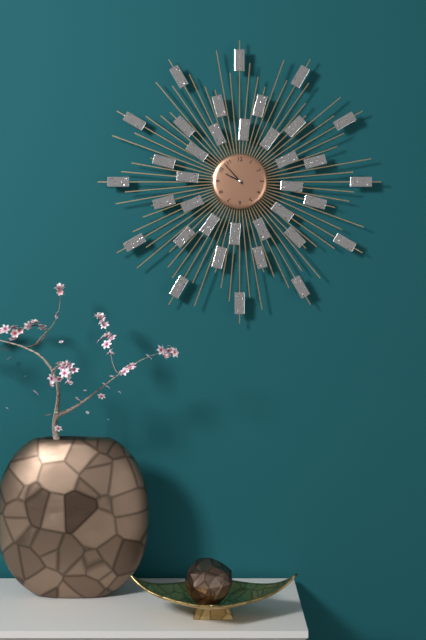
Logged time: 9,53
